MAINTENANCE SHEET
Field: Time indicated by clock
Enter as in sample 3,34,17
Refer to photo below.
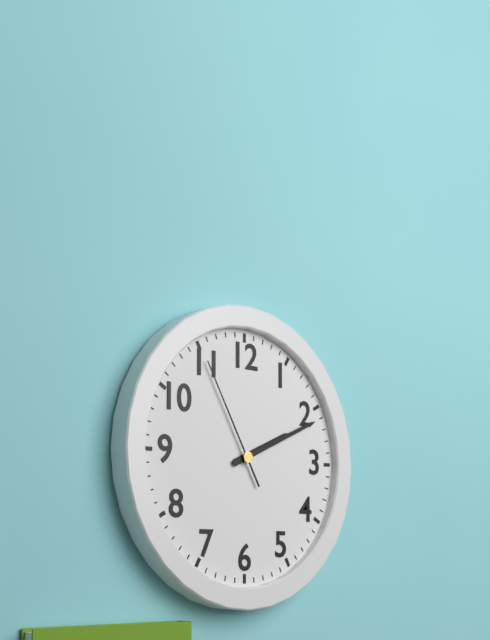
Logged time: 2,11,55
